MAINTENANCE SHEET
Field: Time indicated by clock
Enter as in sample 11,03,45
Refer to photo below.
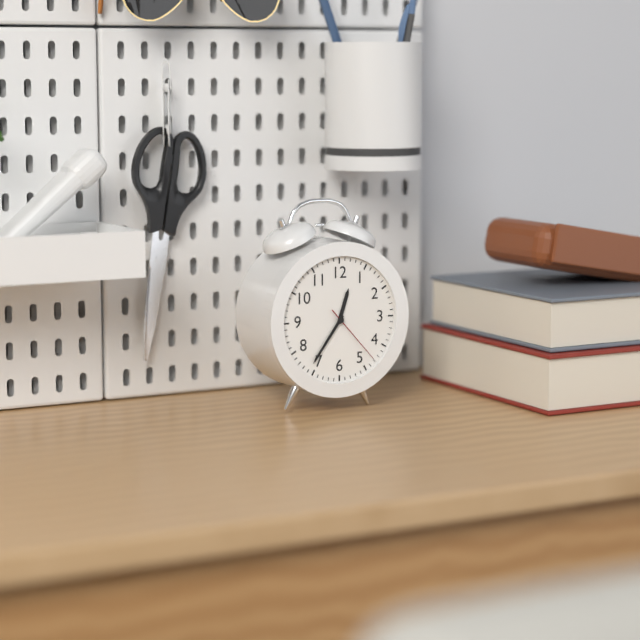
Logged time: 12,36,23
